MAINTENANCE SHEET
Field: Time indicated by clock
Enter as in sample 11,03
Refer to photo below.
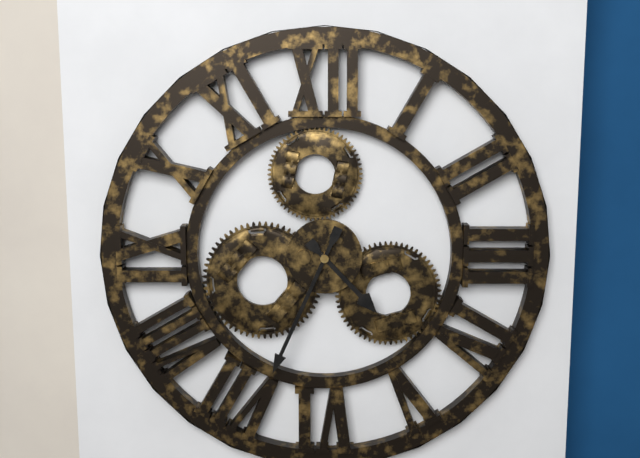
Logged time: 4,34
